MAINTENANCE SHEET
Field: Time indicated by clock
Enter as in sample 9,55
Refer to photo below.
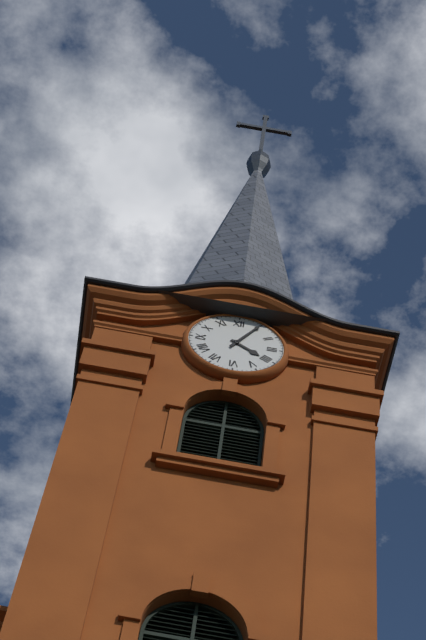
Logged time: 4,05
